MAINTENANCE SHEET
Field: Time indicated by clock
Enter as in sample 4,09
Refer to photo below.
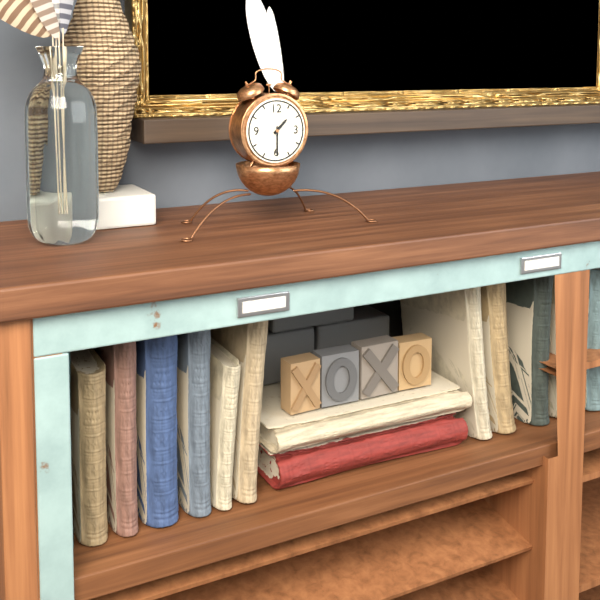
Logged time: 1,30
